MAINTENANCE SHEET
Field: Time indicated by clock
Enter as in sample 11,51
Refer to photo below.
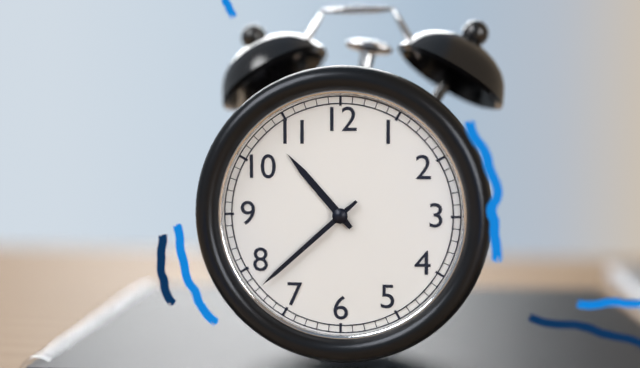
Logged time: 10,38
